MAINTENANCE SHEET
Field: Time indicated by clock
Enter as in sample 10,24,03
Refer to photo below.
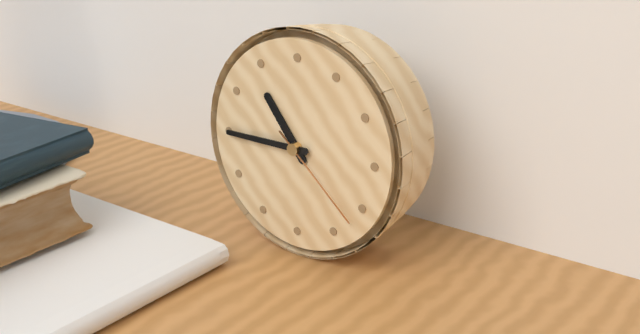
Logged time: 10,45,22
